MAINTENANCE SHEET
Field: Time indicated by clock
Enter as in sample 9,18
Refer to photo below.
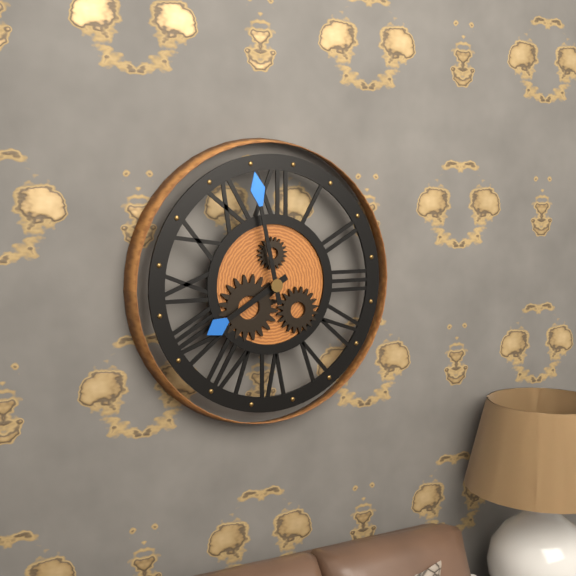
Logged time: 7,58
